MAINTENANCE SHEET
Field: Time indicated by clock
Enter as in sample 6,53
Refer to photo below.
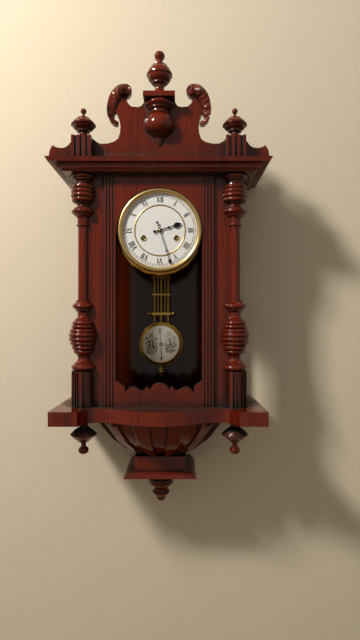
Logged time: 2,27
